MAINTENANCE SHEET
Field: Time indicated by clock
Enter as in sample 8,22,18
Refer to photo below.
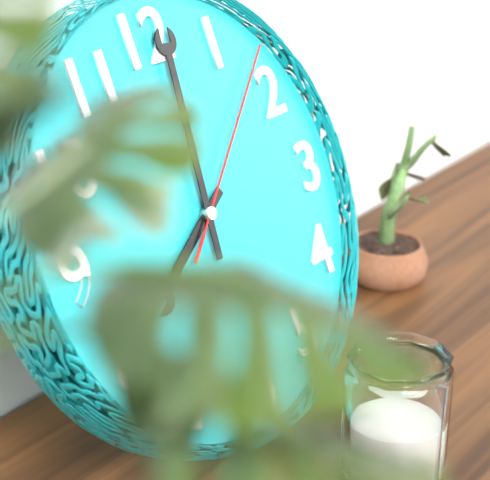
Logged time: 8,01,08
